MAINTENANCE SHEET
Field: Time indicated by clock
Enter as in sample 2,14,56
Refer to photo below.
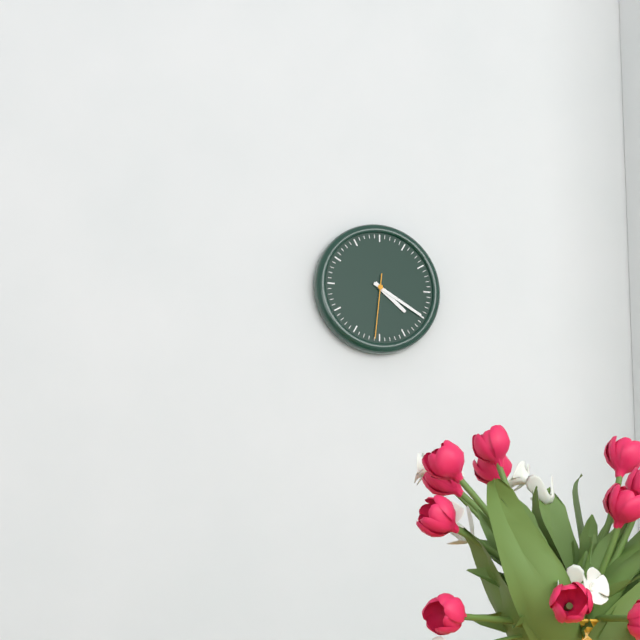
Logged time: 4,20,31
